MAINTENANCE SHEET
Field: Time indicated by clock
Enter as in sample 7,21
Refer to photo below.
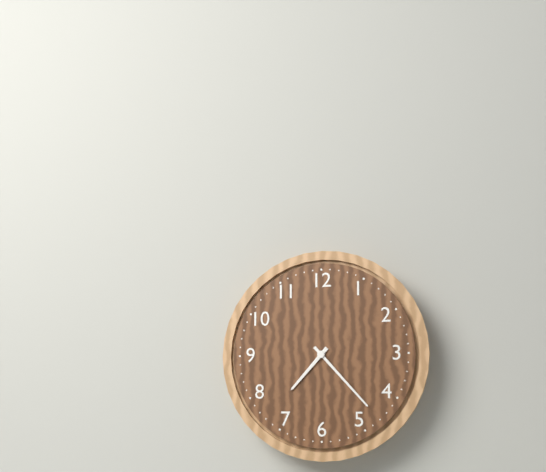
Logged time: 7,23
